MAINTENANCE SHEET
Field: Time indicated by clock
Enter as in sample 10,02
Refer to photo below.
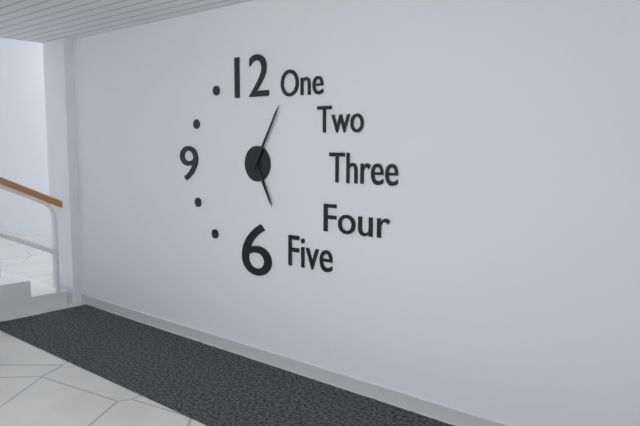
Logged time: 5,05
